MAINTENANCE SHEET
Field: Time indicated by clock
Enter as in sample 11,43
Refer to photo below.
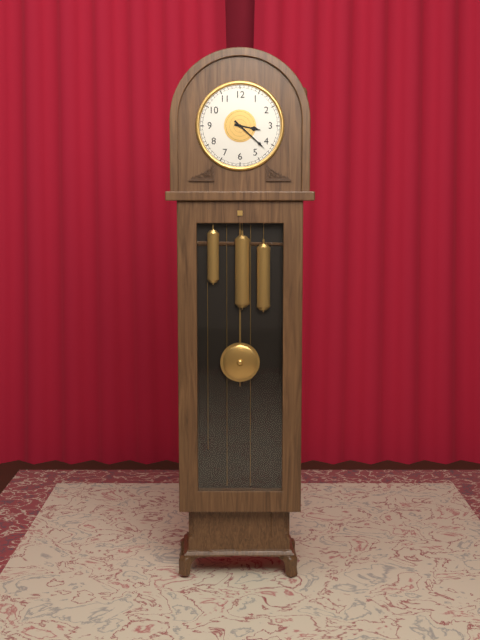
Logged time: 3,22
